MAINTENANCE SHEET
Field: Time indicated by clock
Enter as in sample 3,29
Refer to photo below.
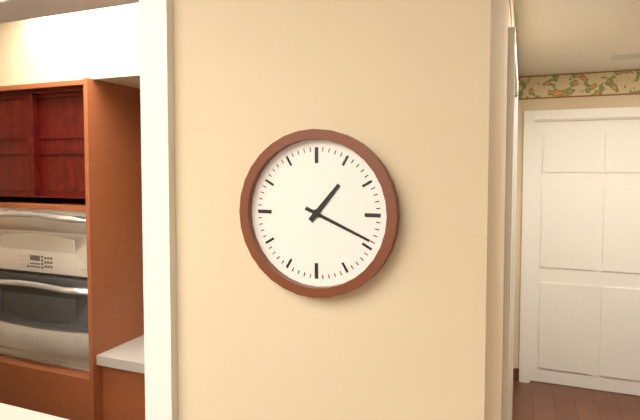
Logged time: 1,19
